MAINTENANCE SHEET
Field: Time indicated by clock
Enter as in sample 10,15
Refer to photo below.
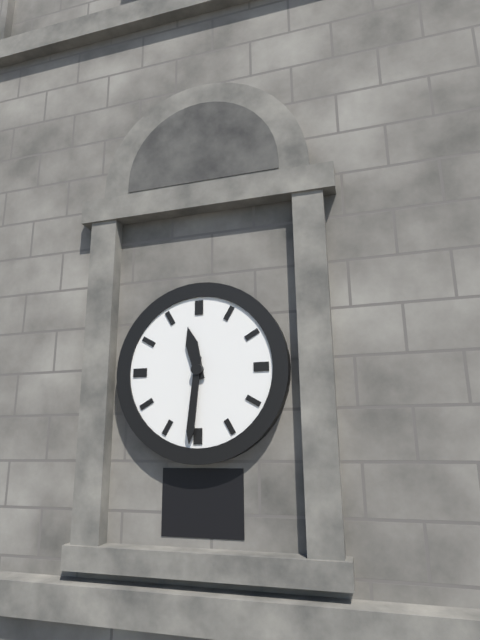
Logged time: 11,31
